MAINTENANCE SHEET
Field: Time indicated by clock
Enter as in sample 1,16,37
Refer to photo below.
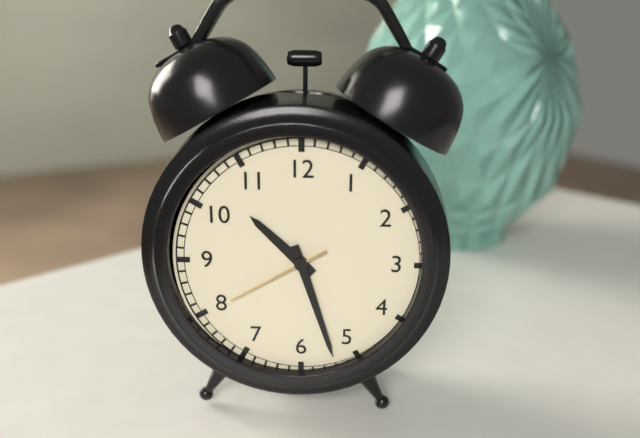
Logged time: 10,27,40
